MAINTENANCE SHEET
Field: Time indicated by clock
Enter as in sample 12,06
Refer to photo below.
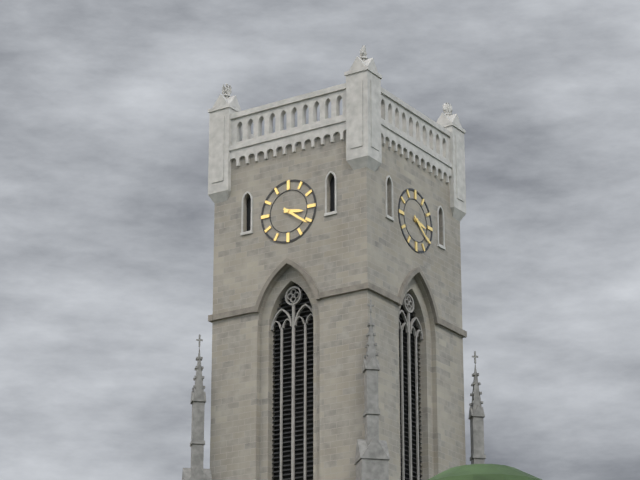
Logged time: 3,21
